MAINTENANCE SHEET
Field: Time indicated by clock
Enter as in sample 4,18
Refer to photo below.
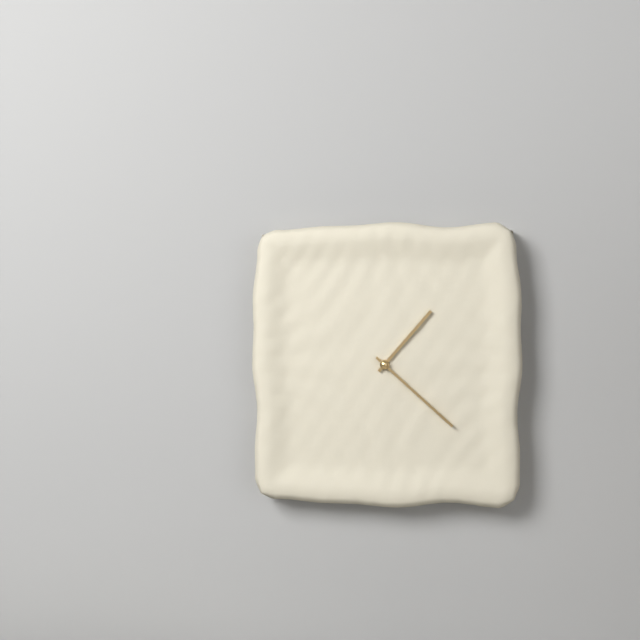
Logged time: 1,22
